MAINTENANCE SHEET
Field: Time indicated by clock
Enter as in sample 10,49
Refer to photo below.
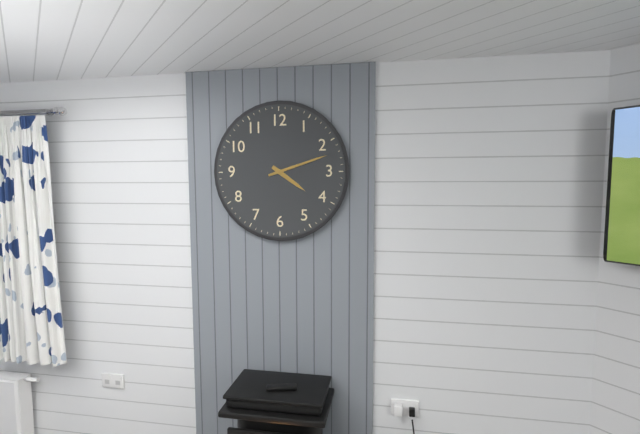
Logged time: 4,12
